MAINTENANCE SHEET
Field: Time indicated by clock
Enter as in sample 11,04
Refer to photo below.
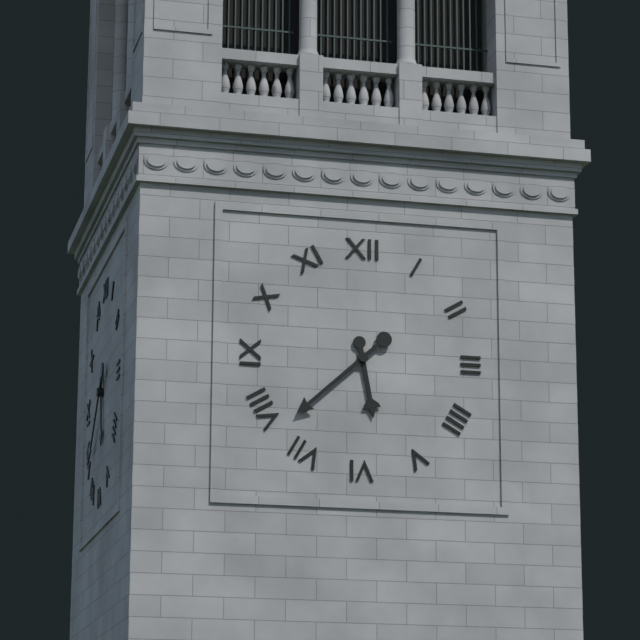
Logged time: 5,38
